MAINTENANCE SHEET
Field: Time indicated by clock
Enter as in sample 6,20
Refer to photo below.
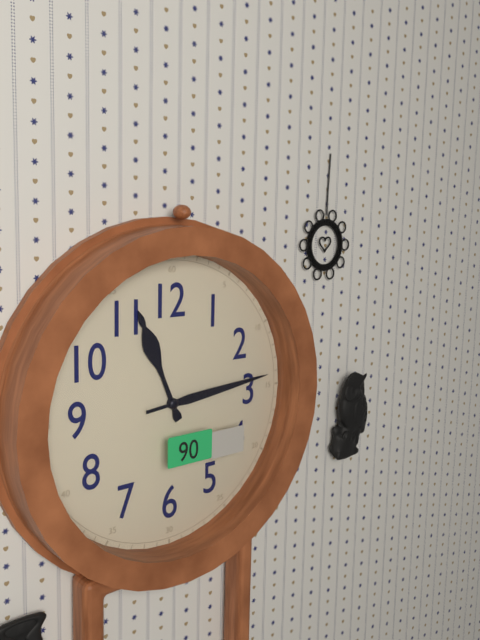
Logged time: 11,14
